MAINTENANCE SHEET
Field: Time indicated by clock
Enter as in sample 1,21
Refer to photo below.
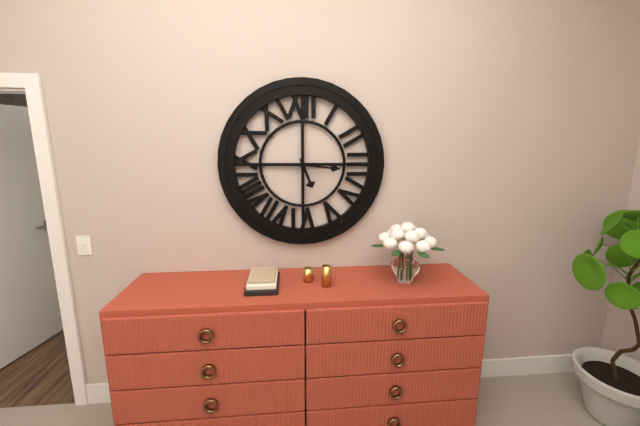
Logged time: 5,16
